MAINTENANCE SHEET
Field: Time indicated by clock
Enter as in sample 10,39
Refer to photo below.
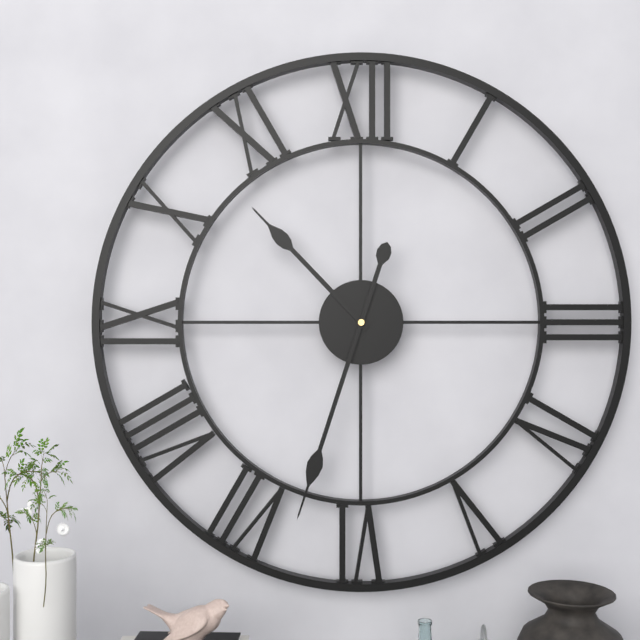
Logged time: 10,33
